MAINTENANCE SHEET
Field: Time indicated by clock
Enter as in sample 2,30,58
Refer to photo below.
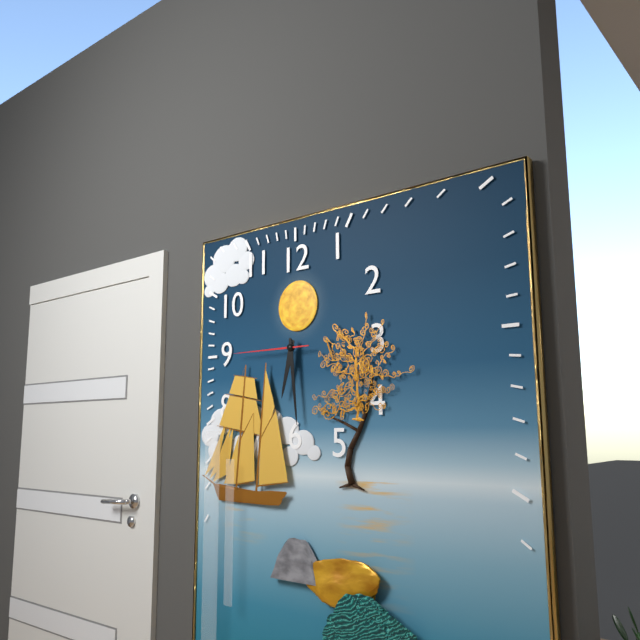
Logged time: 6,29,45
